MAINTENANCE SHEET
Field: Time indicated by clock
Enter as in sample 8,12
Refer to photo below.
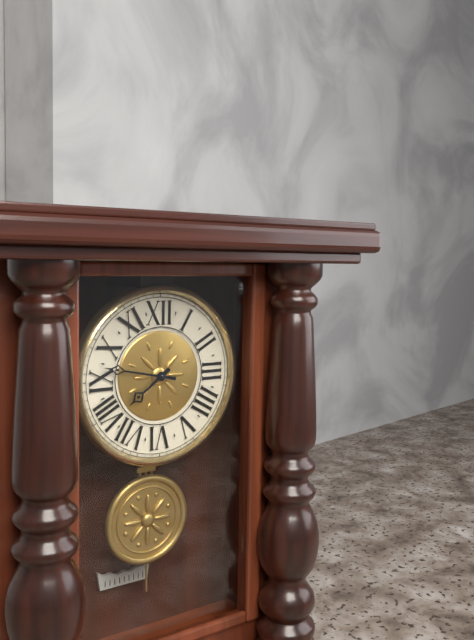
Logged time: 7,47
